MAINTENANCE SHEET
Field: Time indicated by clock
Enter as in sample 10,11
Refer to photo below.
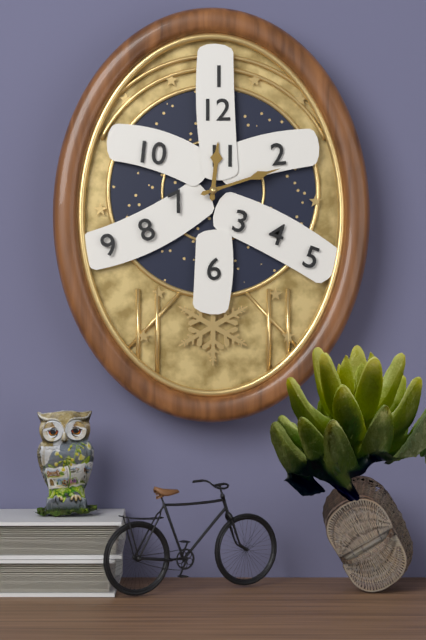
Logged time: 12,12
